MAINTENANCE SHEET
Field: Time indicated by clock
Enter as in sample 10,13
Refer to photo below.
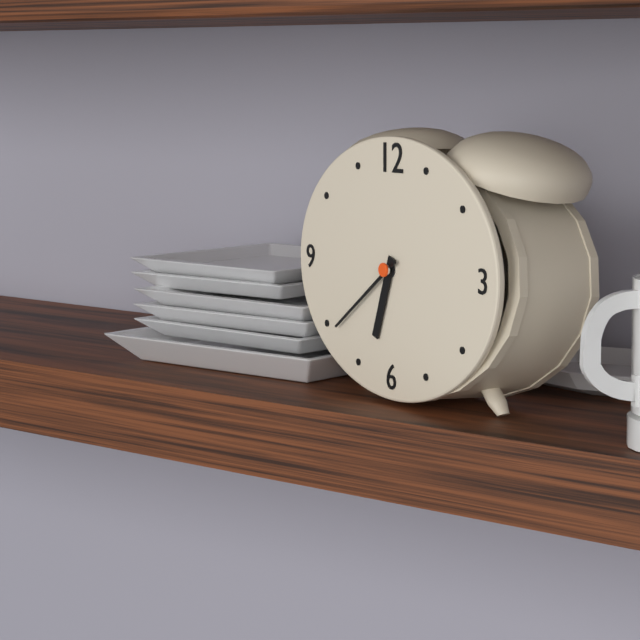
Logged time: 6,39
